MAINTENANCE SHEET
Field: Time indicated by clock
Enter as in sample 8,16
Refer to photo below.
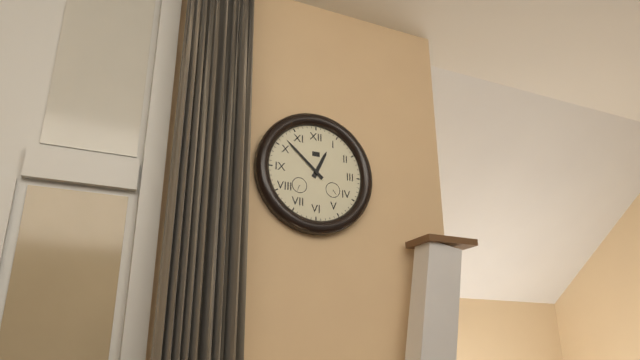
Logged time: 12,52
